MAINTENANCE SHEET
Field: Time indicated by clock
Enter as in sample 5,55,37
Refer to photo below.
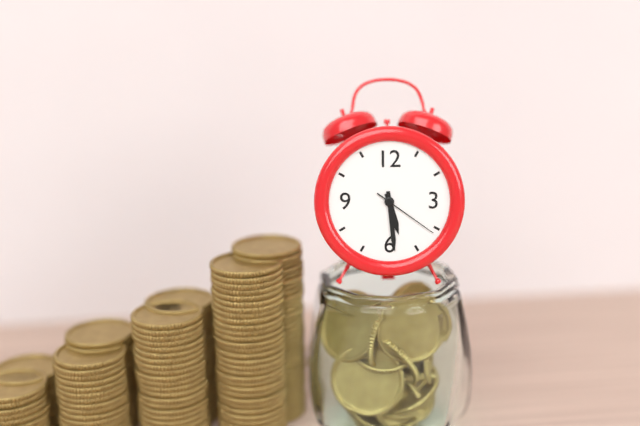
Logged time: 5,29,21
